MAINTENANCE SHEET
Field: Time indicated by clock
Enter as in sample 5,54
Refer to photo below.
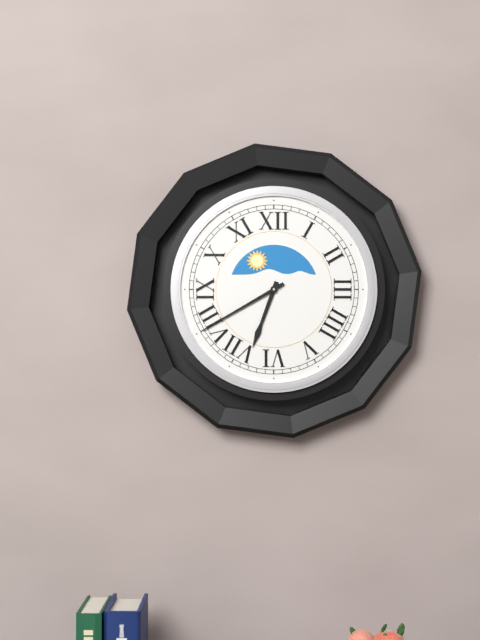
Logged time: 6,40
